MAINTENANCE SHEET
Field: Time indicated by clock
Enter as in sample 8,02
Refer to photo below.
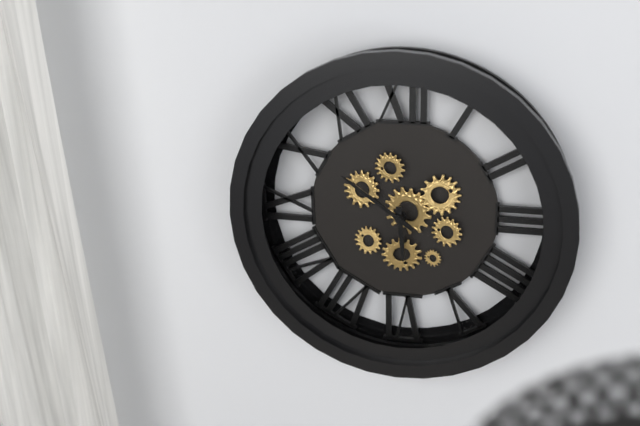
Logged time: 5,51
